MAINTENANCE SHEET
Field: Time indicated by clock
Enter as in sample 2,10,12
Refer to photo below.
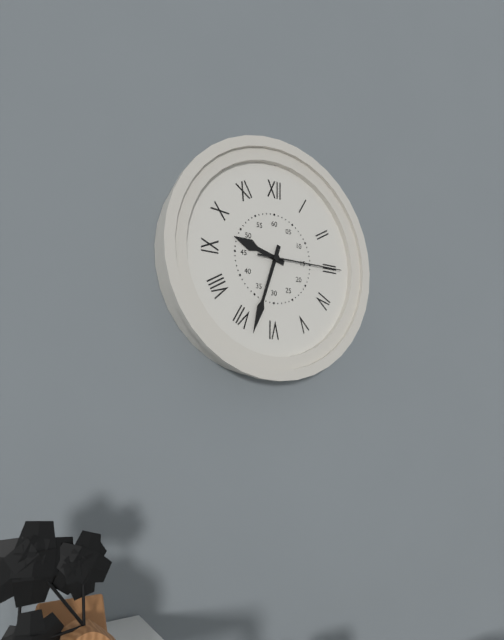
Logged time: 9,33,15
